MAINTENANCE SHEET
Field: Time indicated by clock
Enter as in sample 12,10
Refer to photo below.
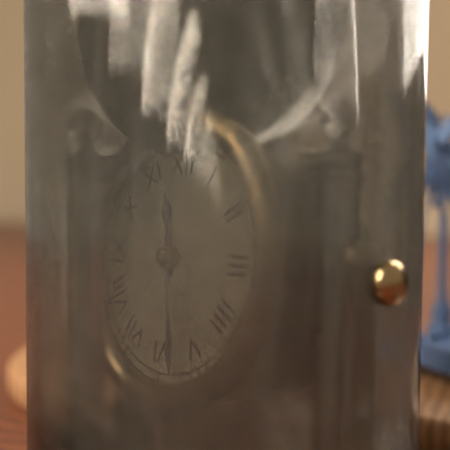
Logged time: 11,28
